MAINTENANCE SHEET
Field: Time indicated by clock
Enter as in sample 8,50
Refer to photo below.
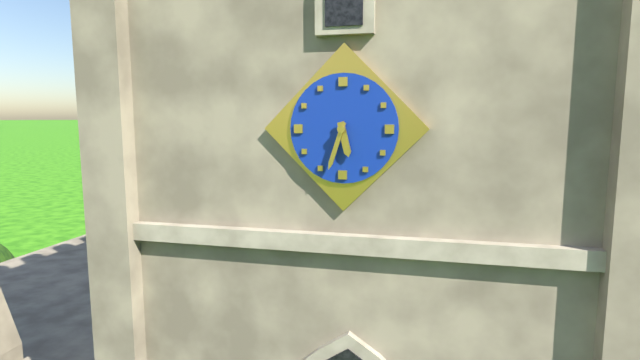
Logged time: 5,33
